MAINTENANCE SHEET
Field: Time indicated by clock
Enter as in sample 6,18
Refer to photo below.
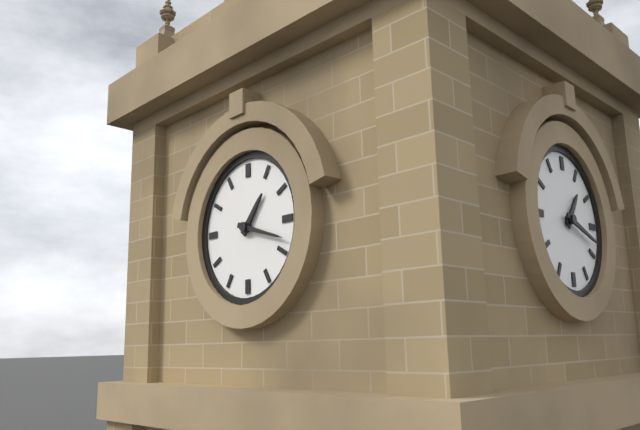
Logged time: 1,18
